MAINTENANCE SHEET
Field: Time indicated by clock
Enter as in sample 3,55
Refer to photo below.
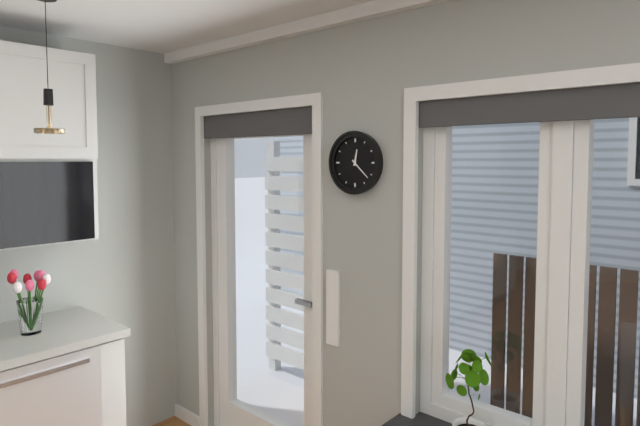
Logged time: 12,22
